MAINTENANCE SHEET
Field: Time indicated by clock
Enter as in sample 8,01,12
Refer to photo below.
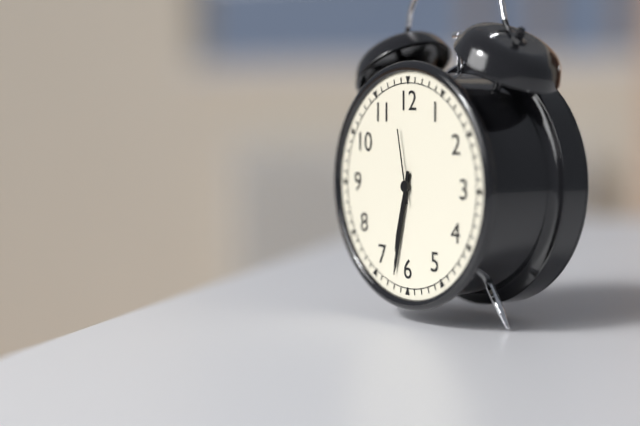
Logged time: 6,32,58
